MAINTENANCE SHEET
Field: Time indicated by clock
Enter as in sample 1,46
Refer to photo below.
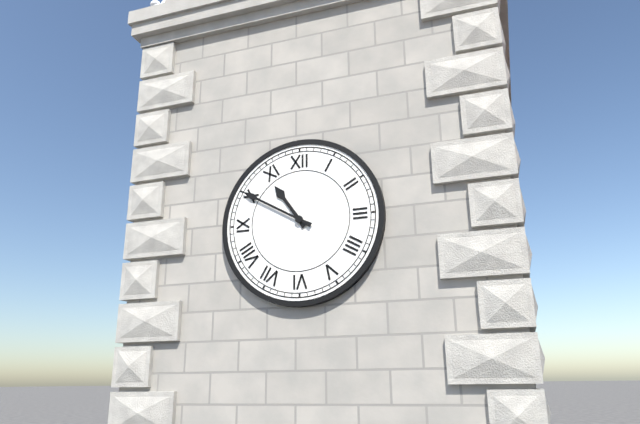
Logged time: 10,50
